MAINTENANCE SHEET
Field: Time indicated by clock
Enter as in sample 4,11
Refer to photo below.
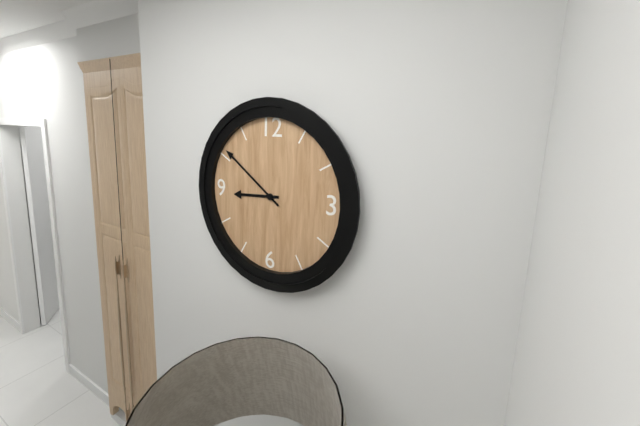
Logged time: 8,51
